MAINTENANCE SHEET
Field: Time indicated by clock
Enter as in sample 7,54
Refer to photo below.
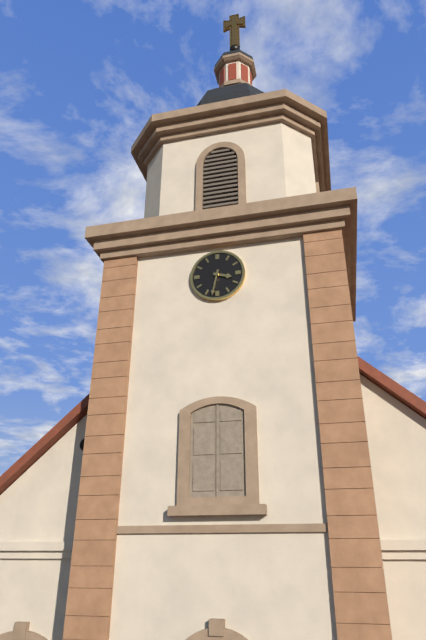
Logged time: 3,32
